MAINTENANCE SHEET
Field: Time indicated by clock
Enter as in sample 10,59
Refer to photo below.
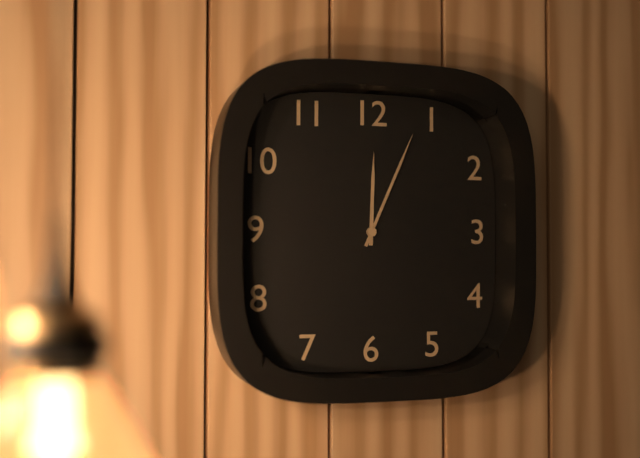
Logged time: 12,04
